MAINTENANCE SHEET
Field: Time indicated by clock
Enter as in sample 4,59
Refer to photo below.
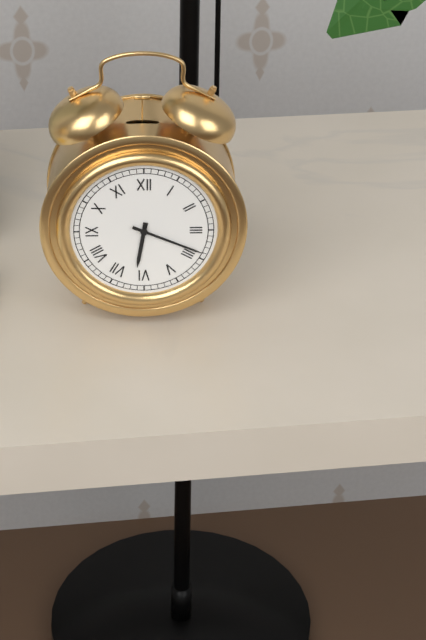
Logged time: 6,19
